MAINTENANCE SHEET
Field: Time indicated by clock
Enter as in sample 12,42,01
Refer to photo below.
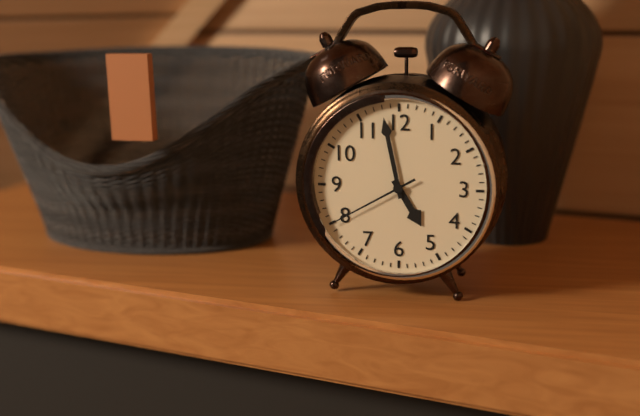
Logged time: 4,58,40
